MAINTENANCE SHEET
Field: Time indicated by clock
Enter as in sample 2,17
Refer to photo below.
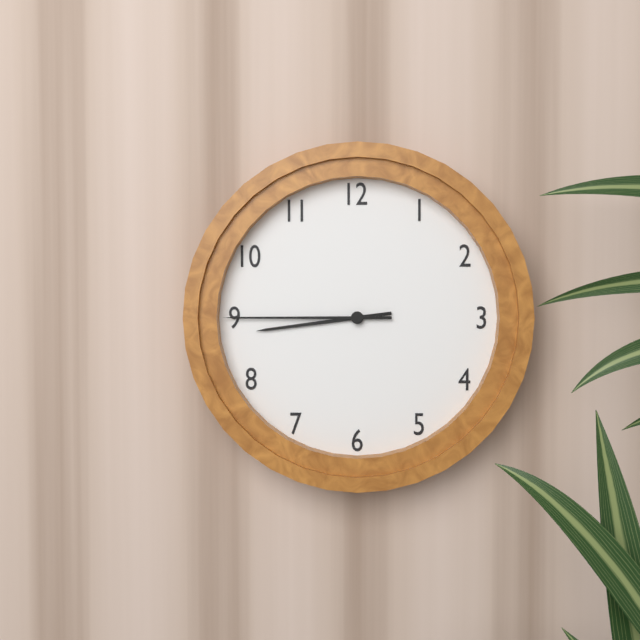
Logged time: 8,45
